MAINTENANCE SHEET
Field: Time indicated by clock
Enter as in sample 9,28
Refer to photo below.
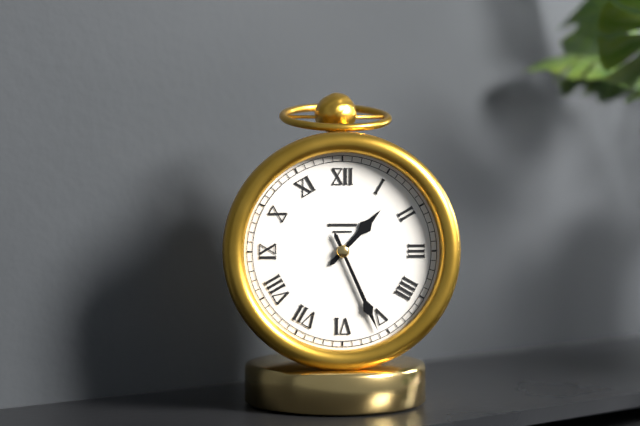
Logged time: 1,26
